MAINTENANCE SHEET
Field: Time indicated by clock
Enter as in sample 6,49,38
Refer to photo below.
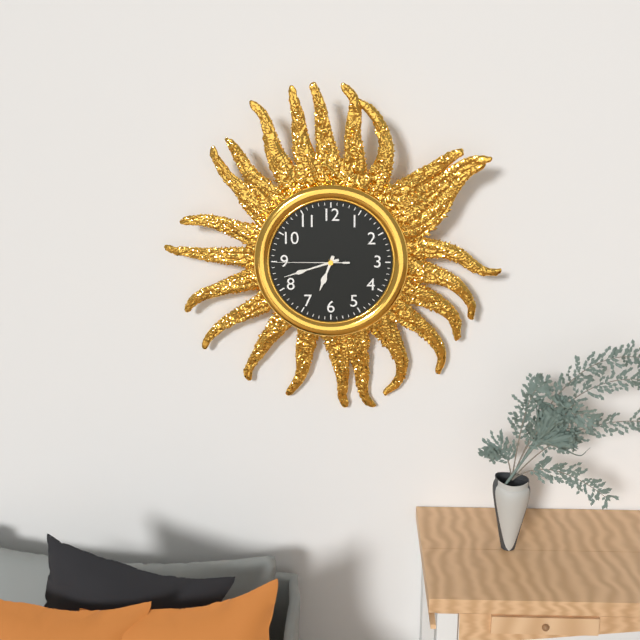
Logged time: 6,42,45
